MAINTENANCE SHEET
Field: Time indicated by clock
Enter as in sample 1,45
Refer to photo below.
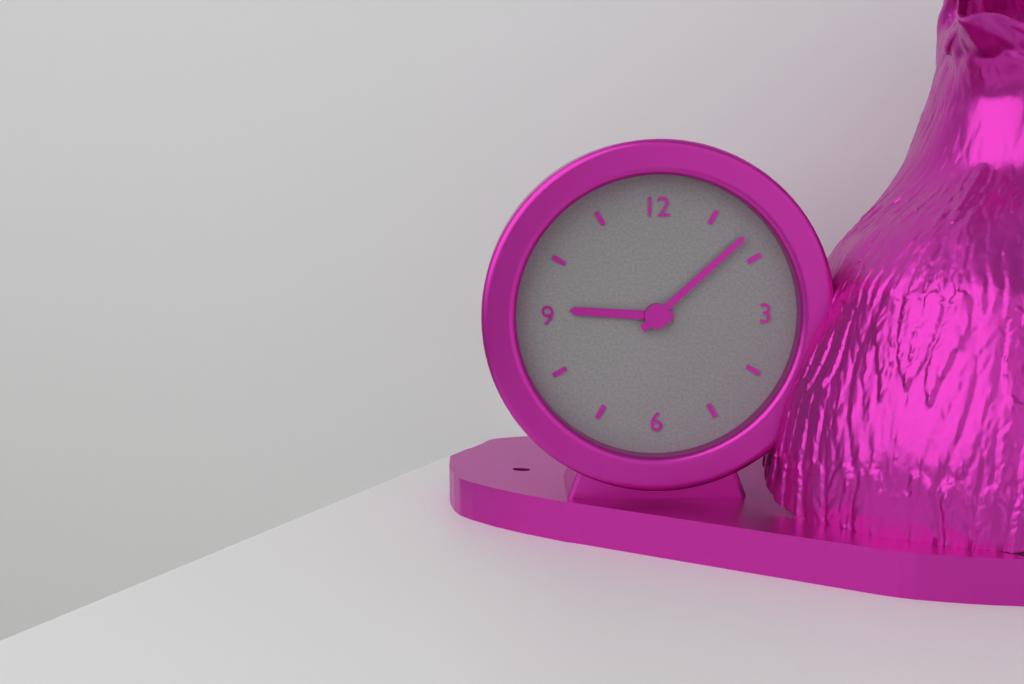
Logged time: 9,08
